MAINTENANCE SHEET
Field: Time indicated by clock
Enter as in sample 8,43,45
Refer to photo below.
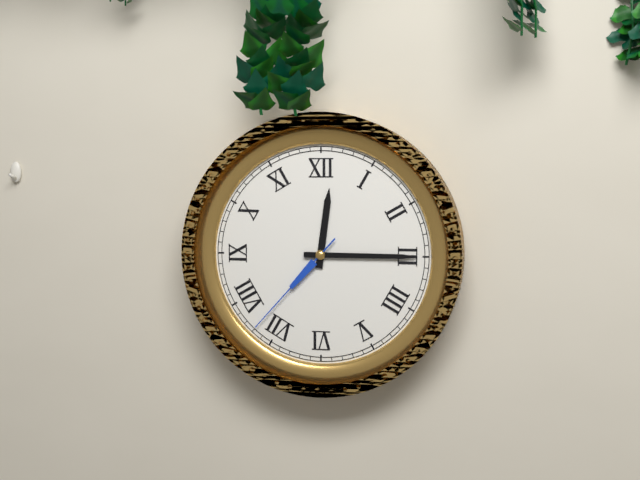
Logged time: 12,15,37
